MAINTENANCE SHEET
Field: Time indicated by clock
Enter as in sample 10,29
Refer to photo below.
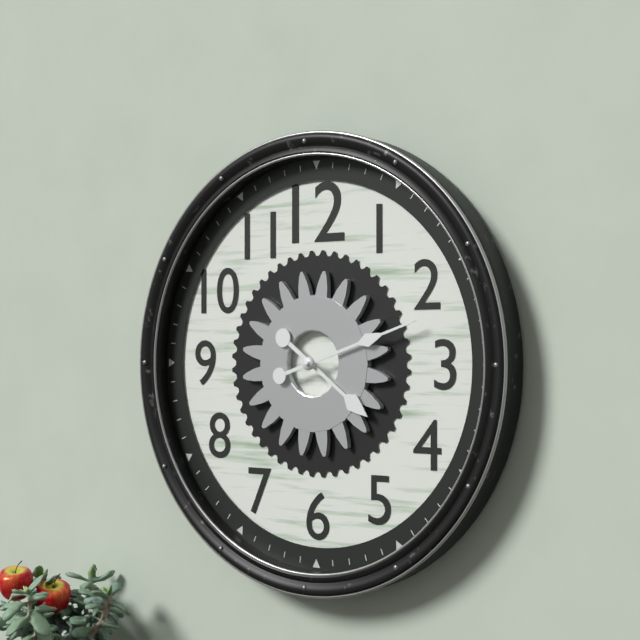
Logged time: 4,12
